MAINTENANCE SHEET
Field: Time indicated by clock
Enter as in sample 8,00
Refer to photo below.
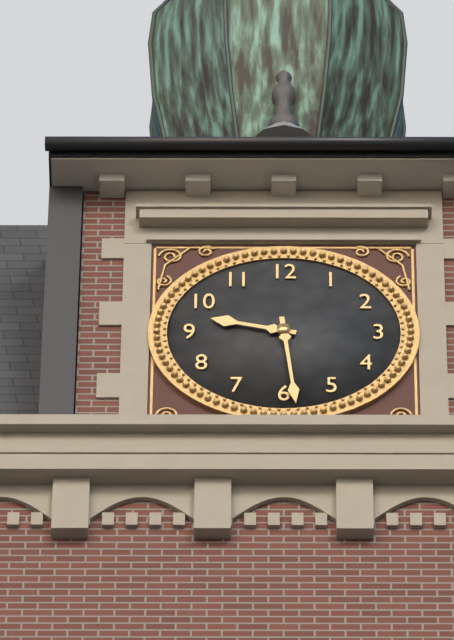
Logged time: 9,29
